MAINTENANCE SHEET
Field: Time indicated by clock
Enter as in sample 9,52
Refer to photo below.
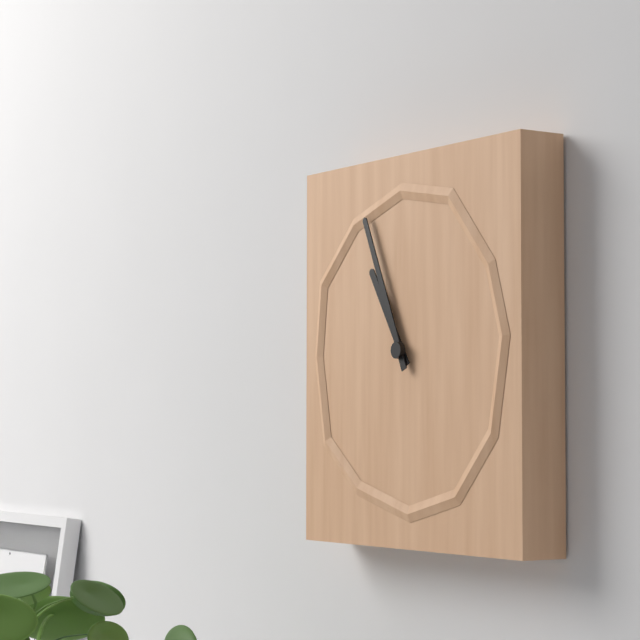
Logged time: 10,56
